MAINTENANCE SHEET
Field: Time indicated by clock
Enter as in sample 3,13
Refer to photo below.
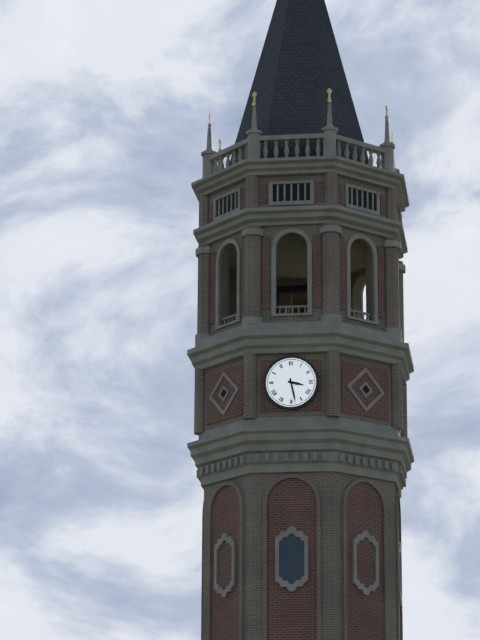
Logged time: 3,28
